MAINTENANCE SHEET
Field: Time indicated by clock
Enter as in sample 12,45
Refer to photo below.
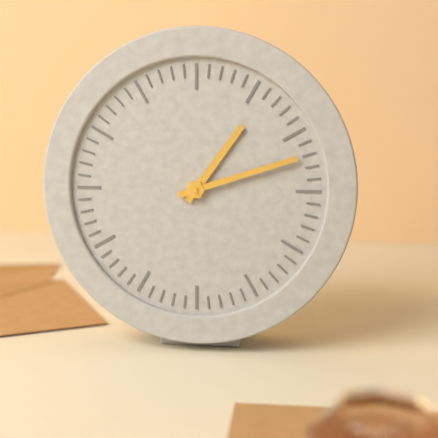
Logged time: 1,12
